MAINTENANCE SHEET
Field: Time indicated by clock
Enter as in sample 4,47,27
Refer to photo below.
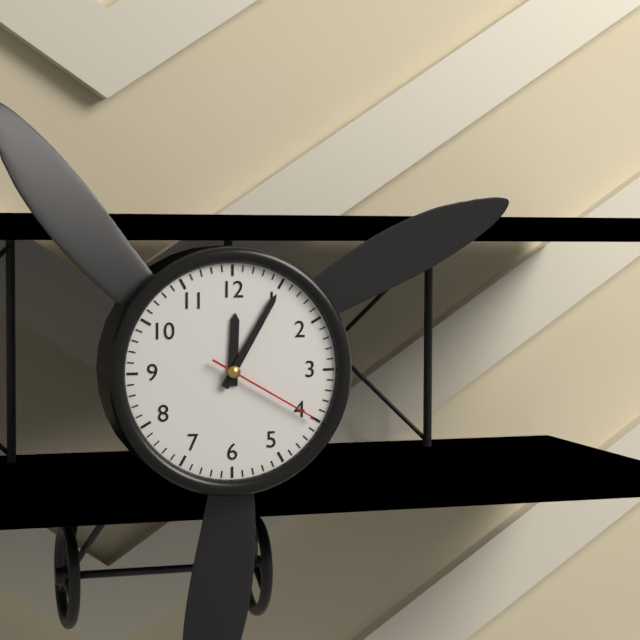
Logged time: 12,05,20
